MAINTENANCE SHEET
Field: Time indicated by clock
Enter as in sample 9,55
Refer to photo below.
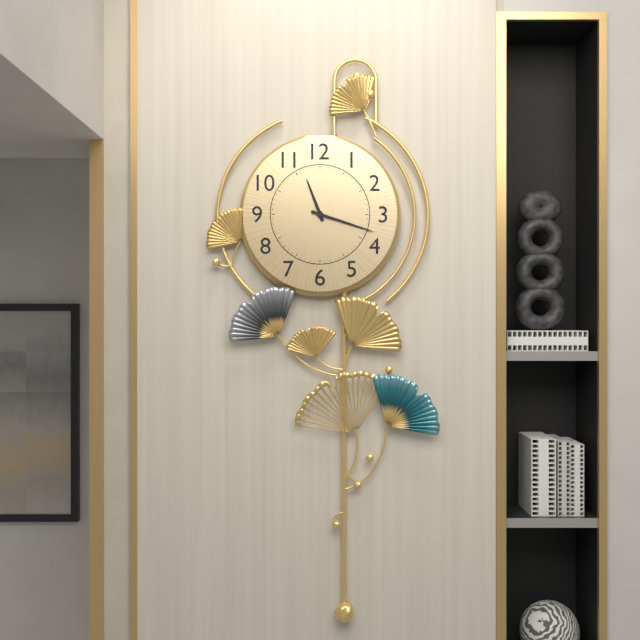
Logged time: 11,18
